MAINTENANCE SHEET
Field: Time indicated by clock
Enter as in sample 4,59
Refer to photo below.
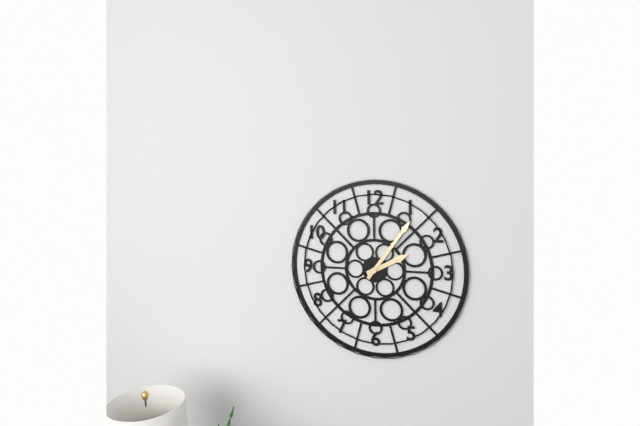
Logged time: 2,06
